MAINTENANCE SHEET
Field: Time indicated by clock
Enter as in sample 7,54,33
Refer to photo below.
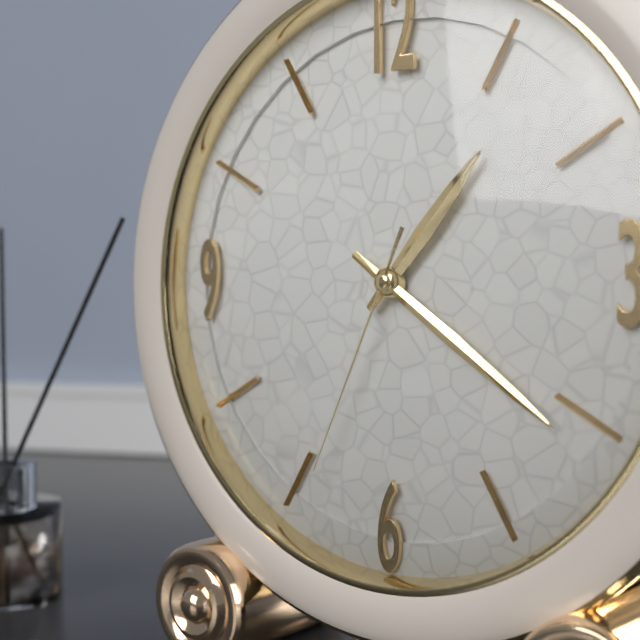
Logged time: 1,21,34
